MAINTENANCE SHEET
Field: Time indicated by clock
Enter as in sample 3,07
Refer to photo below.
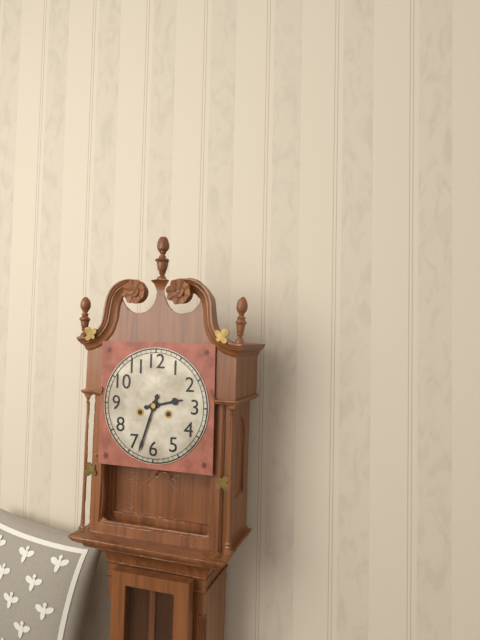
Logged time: 2,33
